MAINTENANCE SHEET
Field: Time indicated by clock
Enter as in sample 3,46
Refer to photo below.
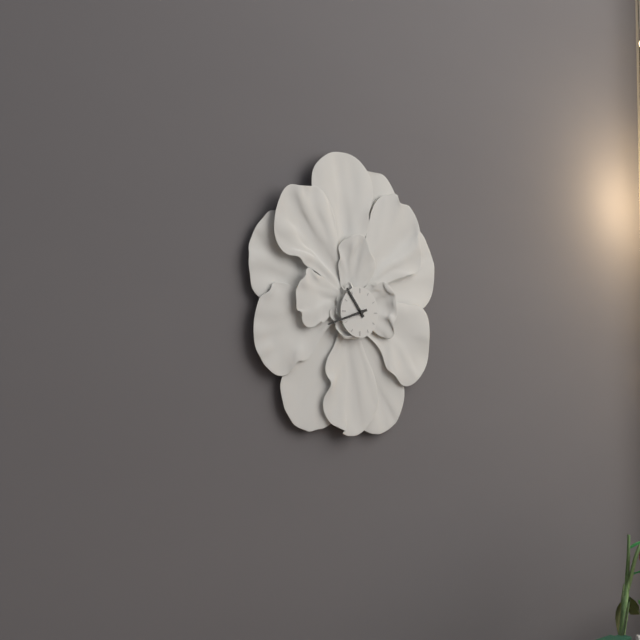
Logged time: 10,42
